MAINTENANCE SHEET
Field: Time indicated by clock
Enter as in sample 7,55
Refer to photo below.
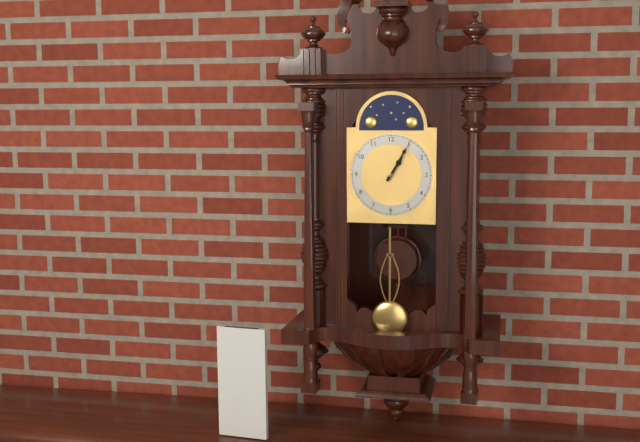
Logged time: 1,05
